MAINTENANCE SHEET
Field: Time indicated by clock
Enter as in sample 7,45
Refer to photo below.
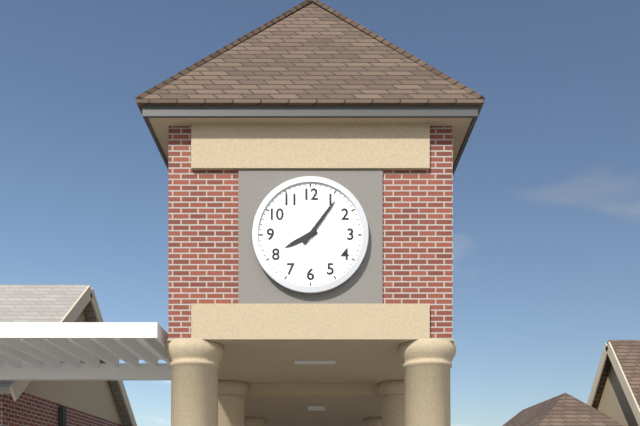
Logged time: 8,06
